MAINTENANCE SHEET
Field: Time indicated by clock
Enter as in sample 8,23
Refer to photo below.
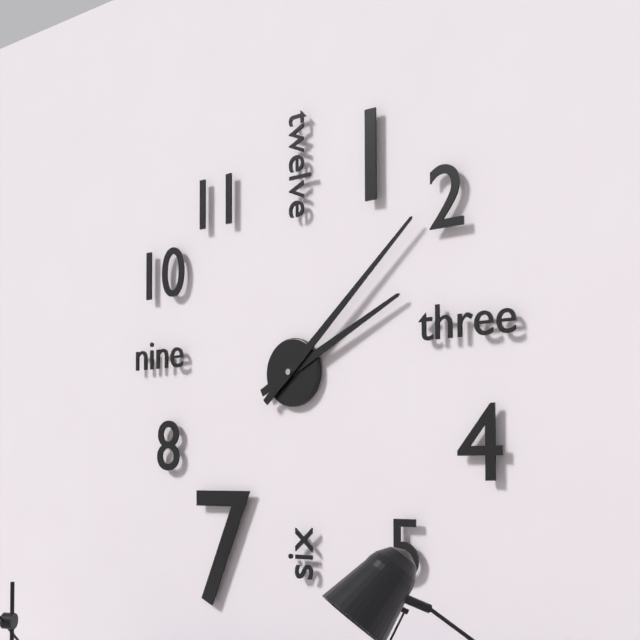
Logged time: 2,08
